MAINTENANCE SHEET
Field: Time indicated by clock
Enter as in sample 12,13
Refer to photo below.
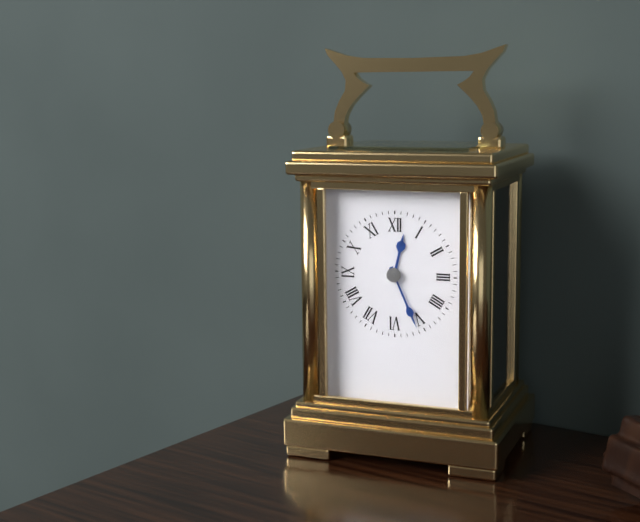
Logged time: 12,26
